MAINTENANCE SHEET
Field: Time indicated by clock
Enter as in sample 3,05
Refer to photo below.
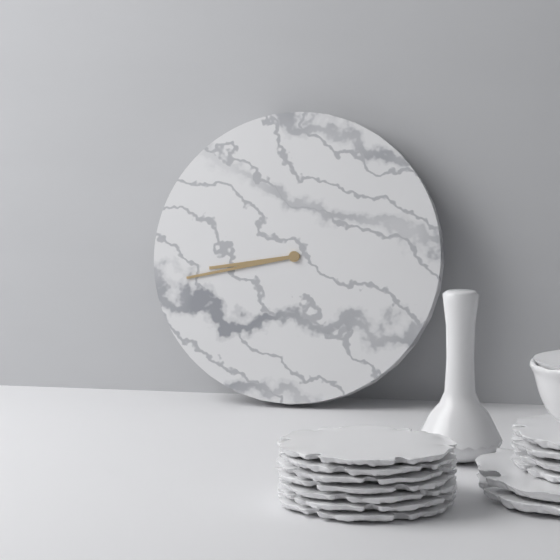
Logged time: 8,43
